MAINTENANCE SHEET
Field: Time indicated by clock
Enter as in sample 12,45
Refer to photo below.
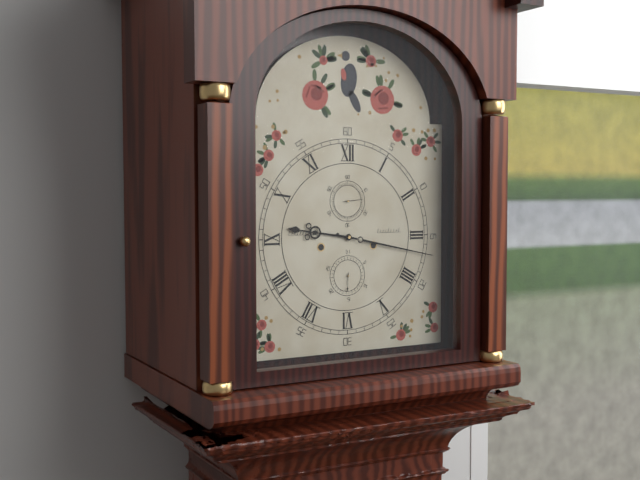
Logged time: 9,17
